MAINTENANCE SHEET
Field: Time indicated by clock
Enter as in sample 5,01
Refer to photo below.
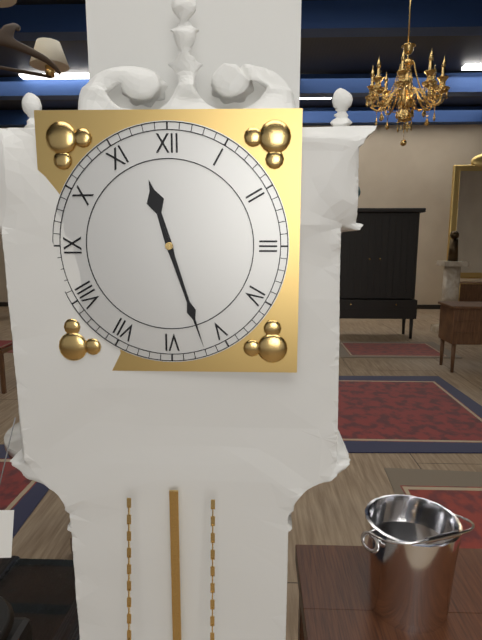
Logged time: 11,27
